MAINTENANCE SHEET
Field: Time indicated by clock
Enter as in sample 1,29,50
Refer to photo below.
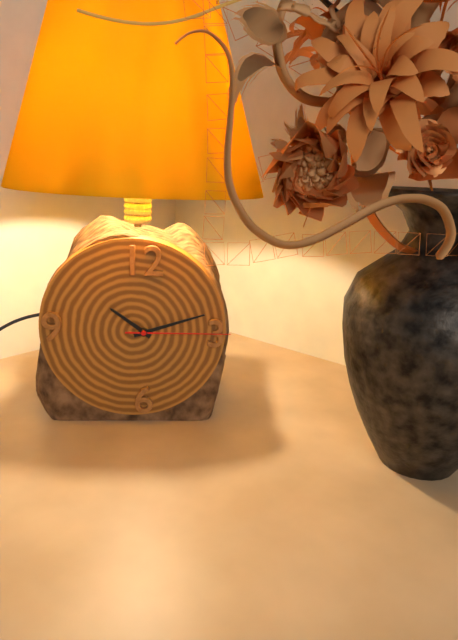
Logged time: 10,12,15
